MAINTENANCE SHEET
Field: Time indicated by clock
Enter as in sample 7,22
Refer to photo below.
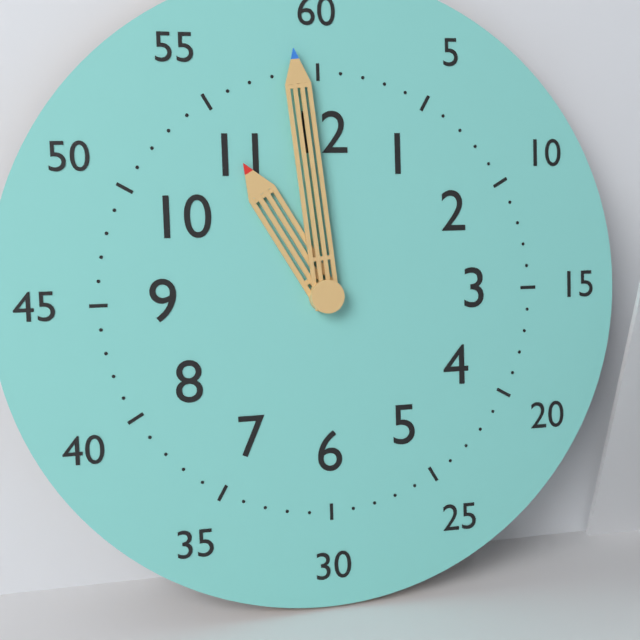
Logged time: 10,59
